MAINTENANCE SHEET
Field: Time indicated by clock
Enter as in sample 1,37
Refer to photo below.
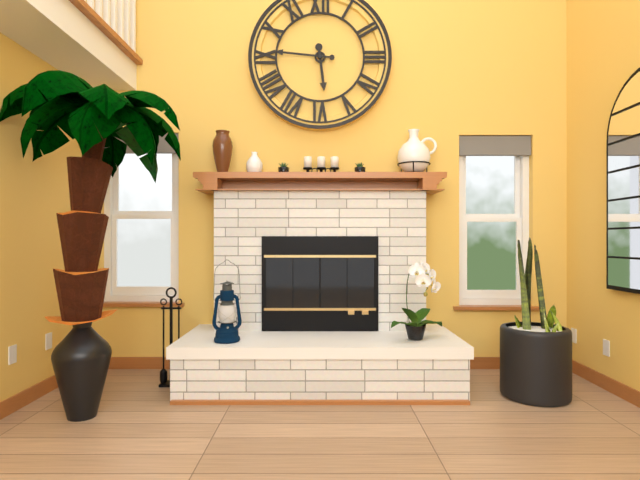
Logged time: 5,46
